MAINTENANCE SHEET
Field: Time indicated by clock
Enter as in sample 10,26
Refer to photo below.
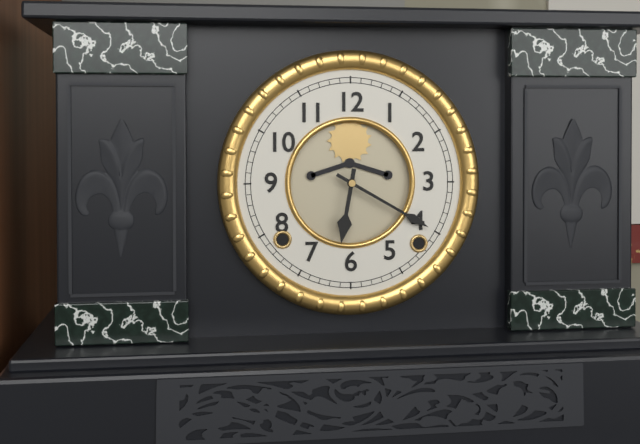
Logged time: 6,20
